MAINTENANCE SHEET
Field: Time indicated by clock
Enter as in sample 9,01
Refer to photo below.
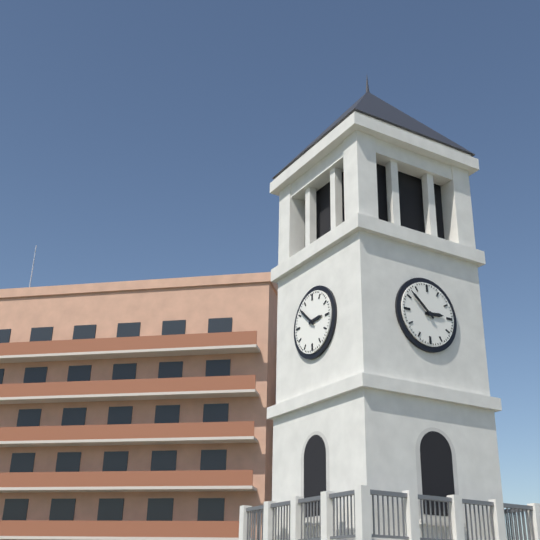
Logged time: 2,52
